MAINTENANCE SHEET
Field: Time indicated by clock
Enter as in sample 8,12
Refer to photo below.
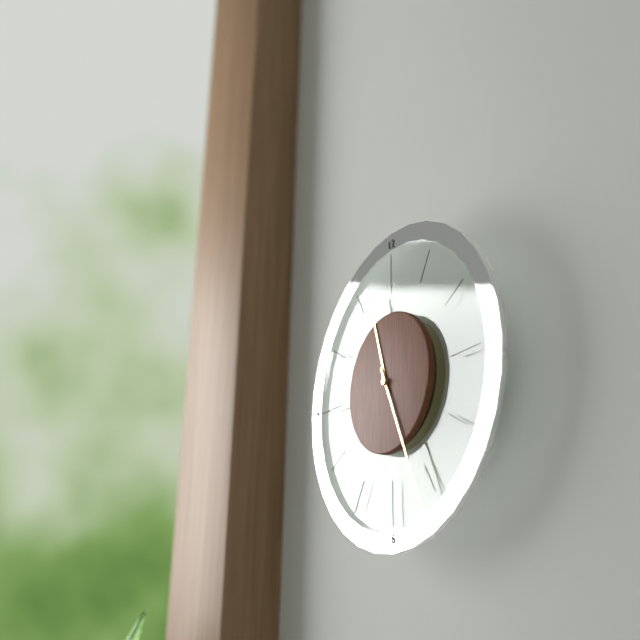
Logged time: 11,26
